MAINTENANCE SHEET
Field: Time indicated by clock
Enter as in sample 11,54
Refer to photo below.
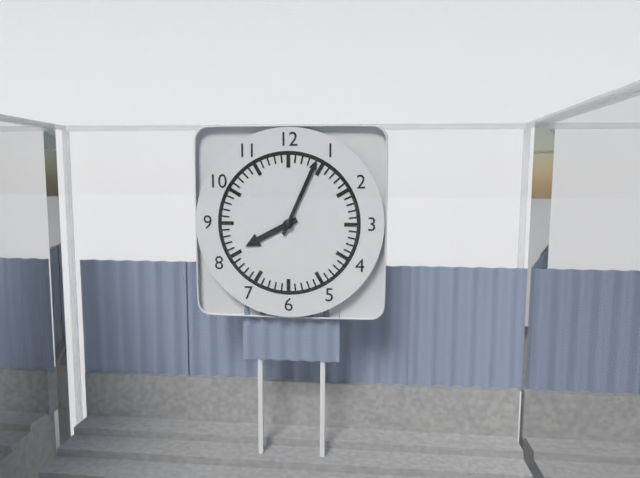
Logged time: 8,04
